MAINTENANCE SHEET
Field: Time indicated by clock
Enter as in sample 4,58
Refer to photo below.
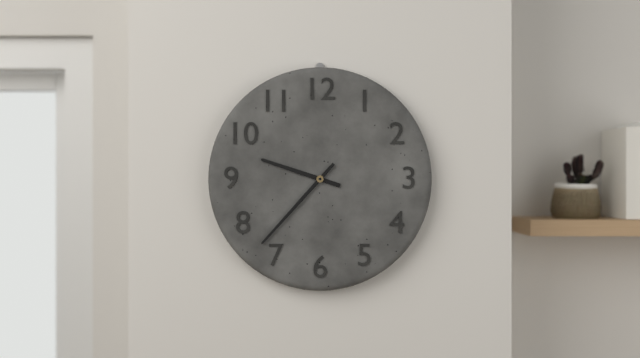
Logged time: 9,37
